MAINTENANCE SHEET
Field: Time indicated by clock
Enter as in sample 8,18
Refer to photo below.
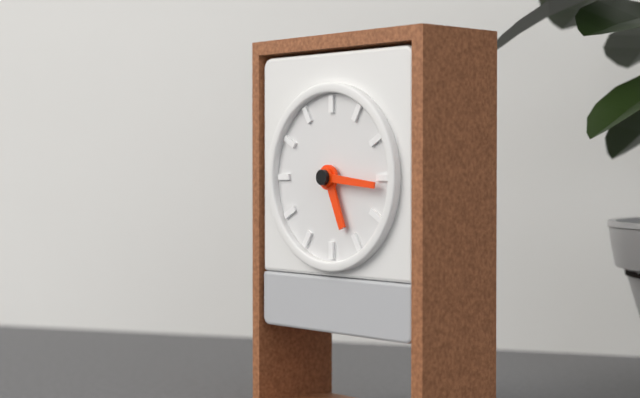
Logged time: 5,16
